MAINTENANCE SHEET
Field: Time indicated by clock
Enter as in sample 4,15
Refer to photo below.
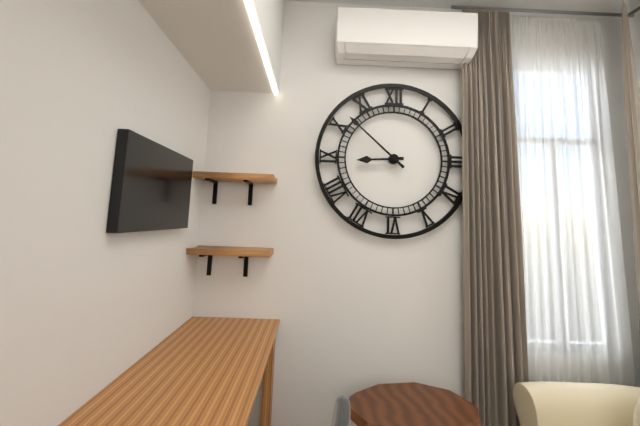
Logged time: 8,52
